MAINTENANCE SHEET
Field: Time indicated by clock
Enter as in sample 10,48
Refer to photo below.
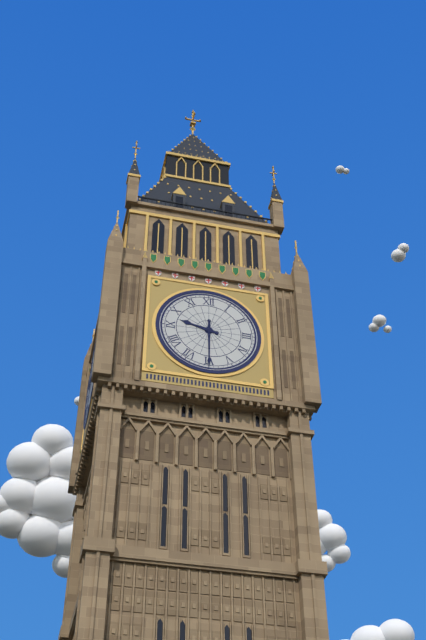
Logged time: 9,30
